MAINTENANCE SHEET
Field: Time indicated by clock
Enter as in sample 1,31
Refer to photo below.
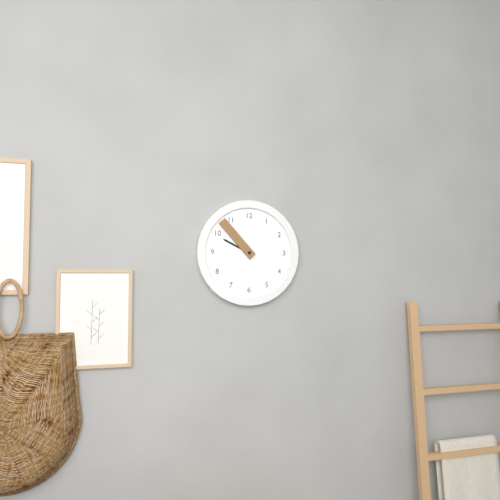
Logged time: 9,53
